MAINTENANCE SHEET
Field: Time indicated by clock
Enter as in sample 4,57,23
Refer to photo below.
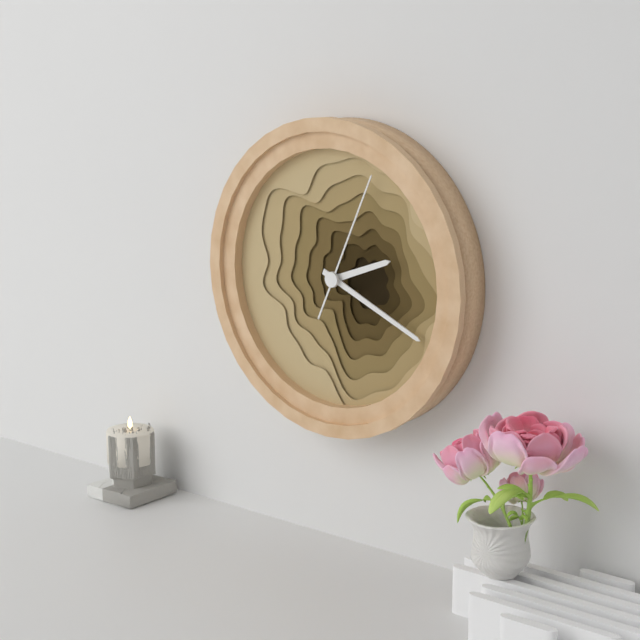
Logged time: 2,19,04
